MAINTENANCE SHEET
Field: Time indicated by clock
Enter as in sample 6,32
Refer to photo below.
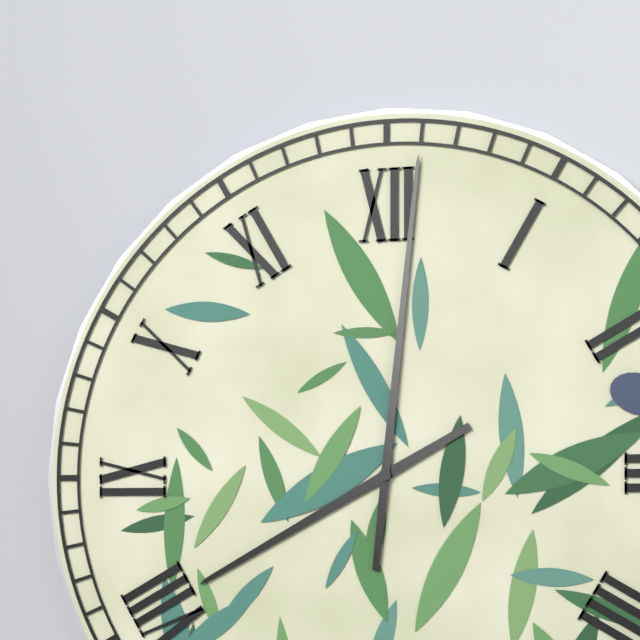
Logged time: 8,01
